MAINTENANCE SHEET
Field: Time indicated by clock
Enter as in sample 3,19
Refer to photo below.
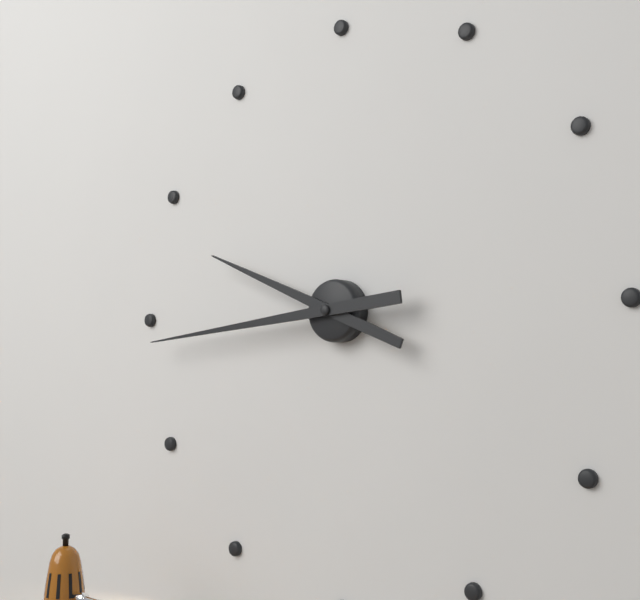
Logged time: 9,44
